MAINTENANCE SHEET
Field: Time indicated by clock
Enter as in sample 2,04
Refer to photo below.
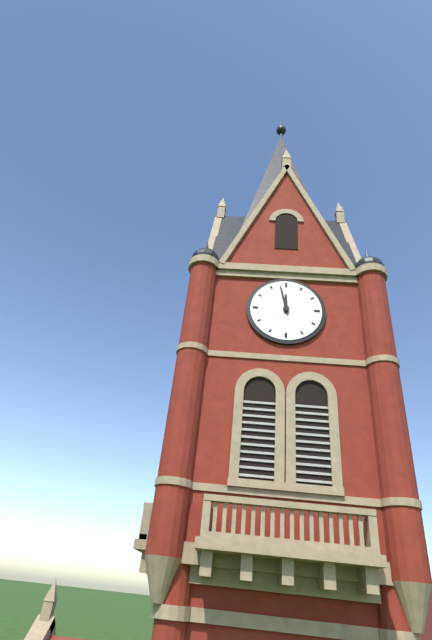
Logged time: 11,58
